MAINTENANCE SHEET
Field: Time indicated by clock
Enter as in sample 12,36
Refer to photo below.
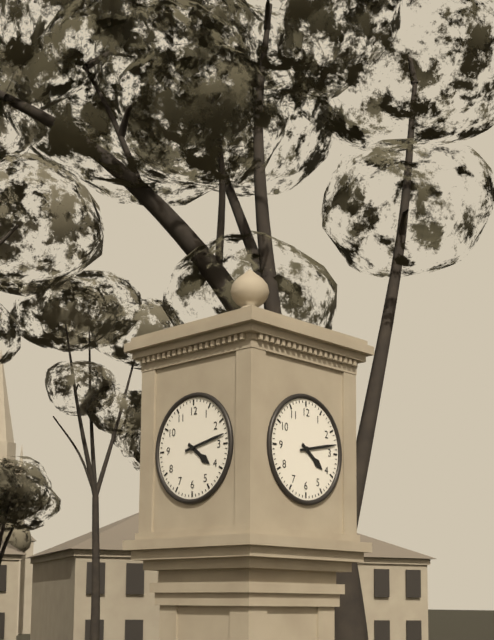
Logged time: 4,13
